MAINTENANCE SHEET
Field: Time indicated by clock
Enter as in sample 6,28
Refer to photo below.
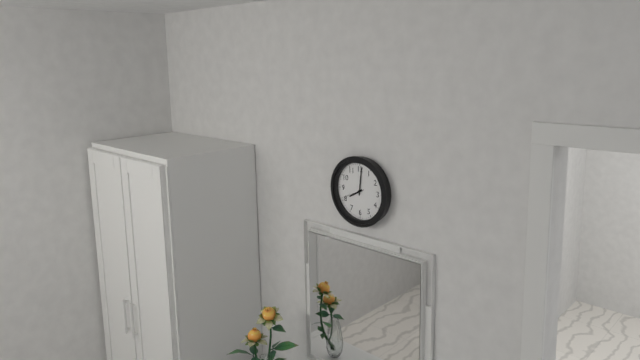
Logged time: 8,01
